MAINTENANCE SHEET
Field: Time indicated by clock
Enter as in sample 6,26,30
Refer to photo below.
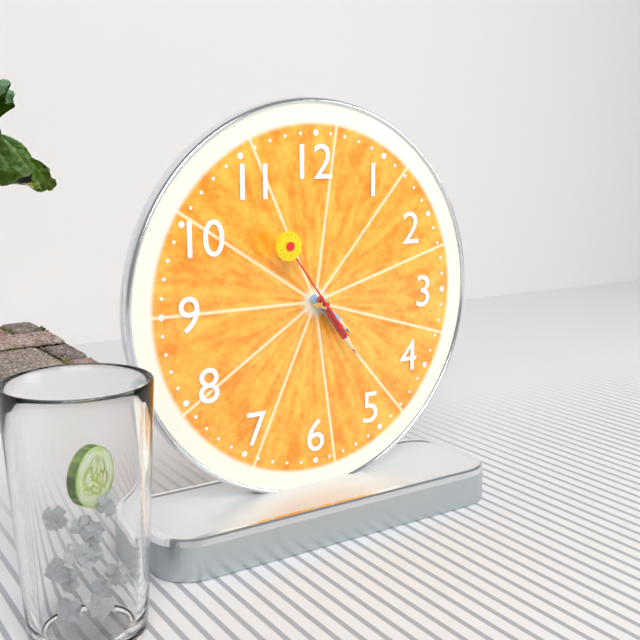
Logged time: 4,24,54
